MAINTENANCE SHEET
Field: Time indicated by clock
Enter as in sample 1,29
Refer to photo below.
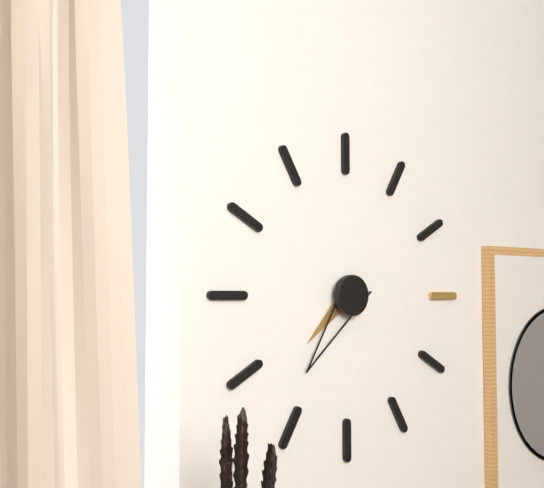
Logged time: 7,36
